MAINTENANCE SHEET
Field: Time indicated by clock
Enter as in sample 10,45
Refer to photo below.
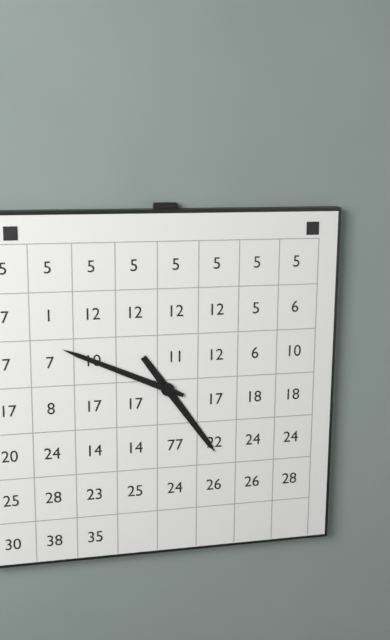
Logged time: 4,49
